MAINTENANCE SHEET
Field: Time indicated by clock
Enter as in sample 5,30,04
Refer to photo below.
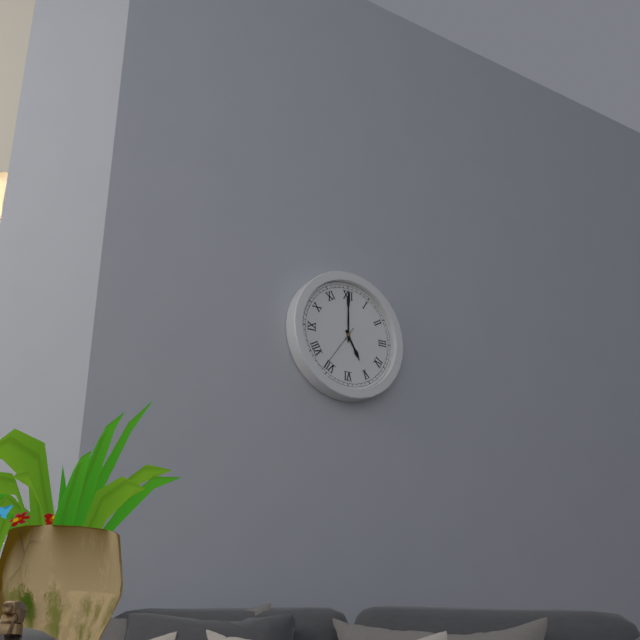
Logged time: 5,00,36
